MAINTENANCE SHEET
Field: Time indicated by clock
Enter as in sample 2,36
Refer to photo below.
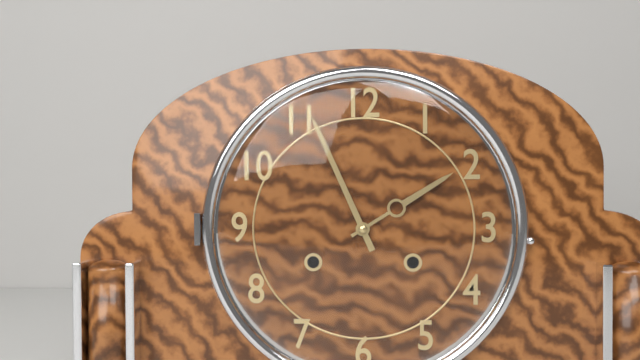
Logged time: 1,56
